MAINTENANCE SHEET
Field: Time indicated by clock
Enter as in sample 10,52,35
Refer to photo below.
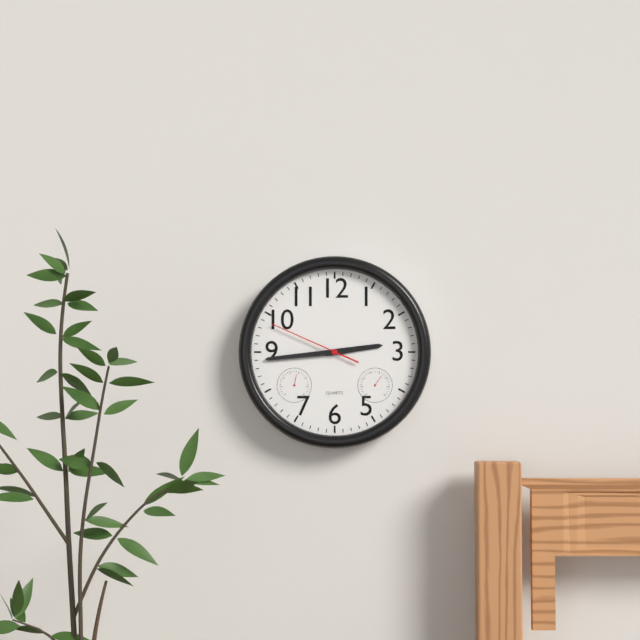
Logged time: 2,44,49
